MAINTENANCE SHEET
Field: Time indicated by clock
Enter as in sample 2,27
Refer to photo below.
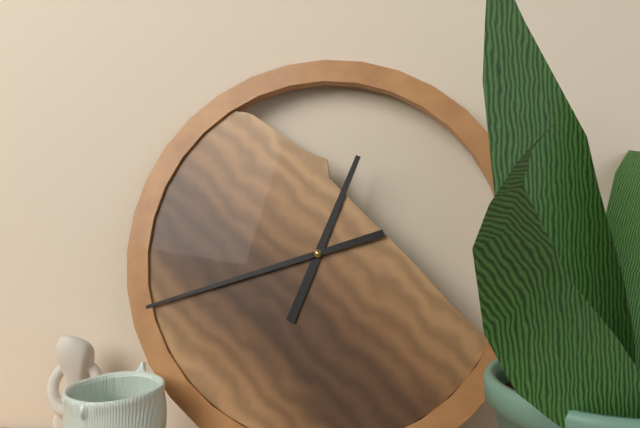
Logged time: 12,42
